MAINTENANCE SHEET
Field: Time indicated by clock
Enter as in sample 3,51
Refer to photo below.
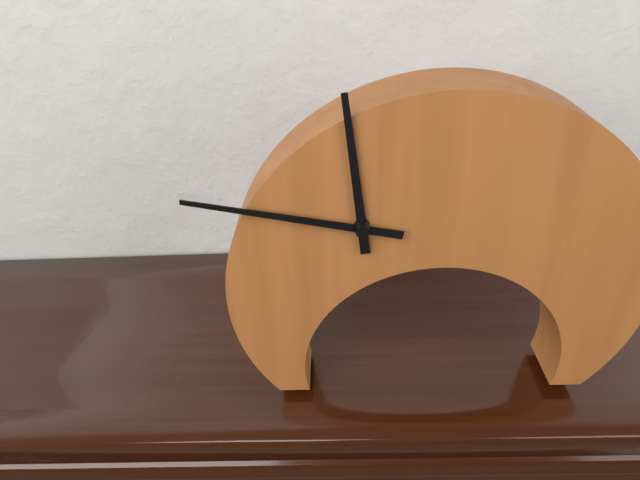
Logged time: 11,47
